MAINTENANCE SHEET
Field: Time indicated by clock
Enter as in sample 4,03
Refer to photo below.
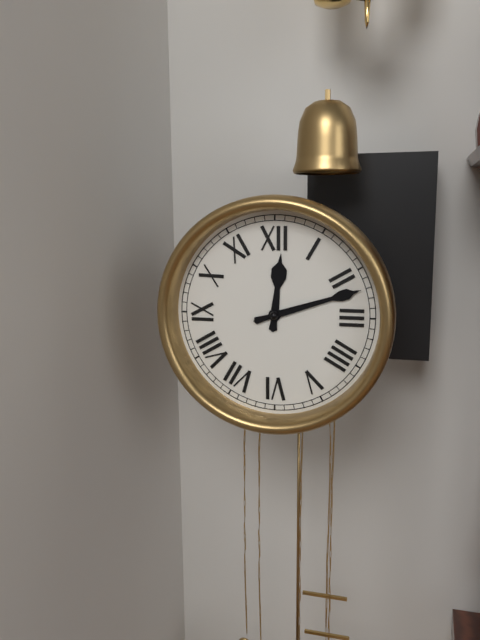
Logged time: 12,12
